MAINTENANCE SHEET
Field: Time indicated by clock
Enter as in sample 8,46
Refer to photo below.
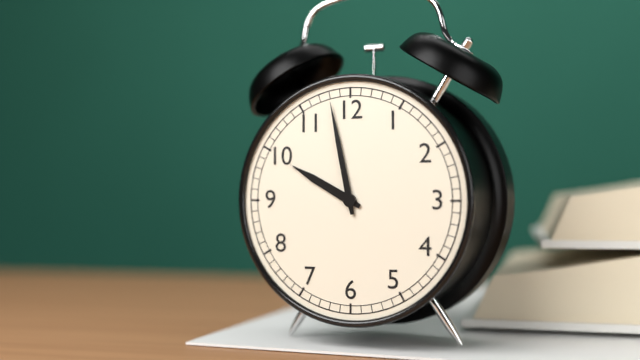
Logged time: 9,58
